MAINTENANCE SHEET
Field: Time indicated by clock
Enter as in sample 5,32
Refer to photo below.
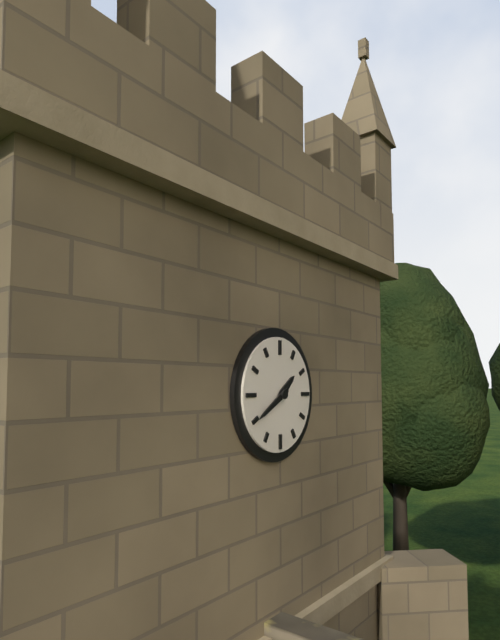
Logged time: 1,40
